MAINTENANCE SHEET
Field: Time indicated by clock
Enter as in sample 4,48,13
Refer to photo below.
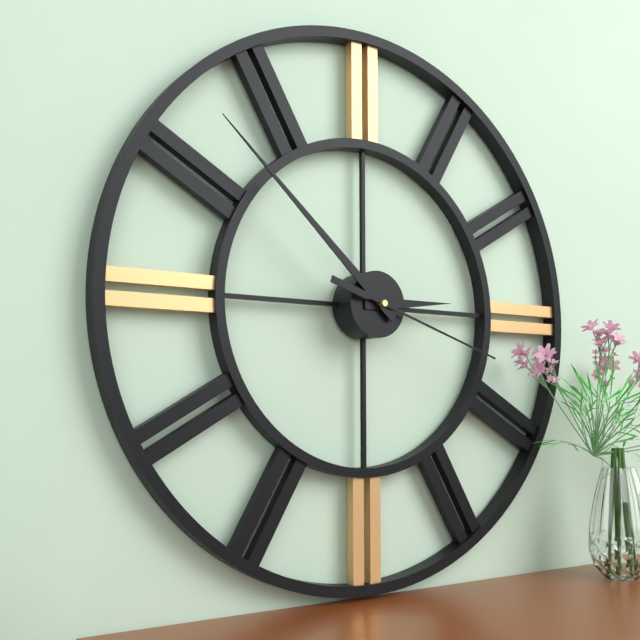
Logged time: 2,52,18
